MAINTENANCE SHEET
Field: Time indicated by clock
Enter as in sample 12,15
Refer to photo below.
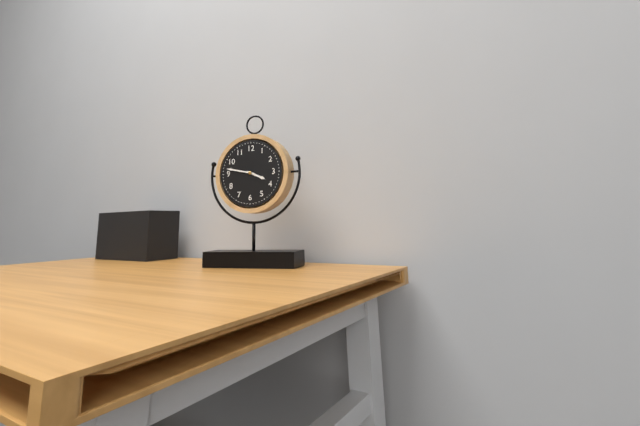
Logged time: 3,47
